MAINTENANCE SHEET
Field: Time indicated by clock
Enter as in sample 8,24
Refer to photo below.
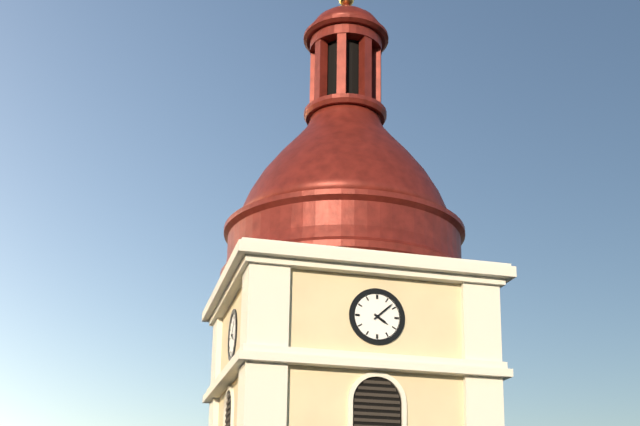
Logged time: 4,08
